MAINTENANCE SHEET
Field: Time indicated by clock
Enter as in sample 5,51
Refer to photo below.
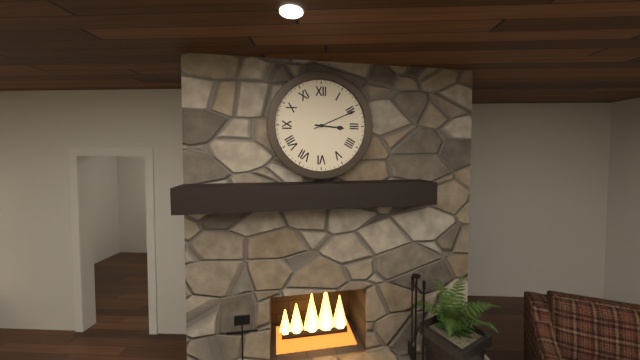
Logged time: 3,11
